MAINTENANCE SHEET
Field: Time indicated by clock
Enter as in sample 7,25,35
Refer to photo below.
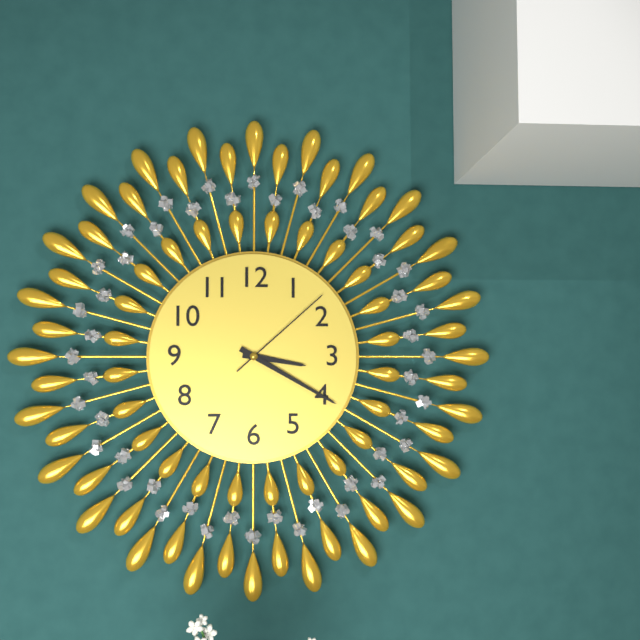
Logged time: 3,20,08
